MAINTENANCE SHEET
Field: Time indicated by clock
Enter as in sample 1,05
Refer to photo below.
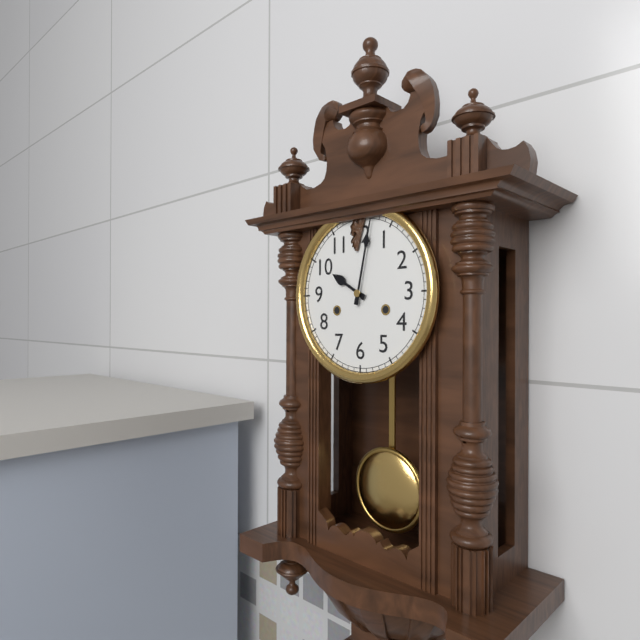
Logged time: 10,02
